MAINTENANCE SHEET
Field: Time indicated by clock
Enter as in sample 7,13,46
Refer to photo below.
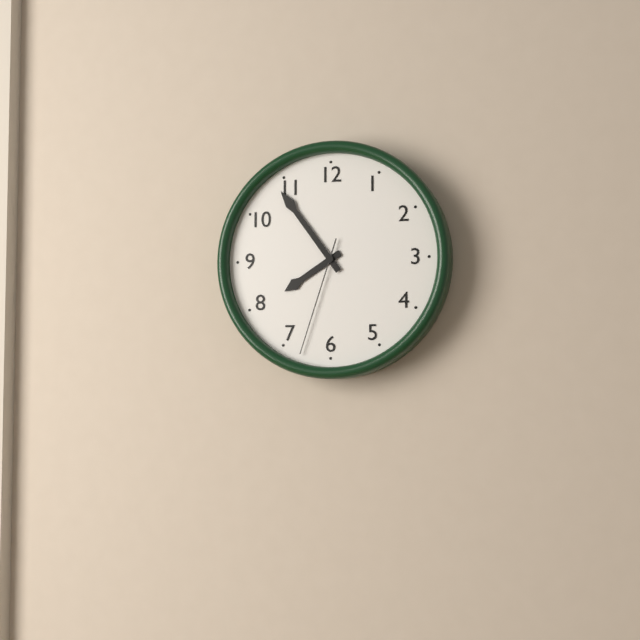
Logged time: 7,54,33
